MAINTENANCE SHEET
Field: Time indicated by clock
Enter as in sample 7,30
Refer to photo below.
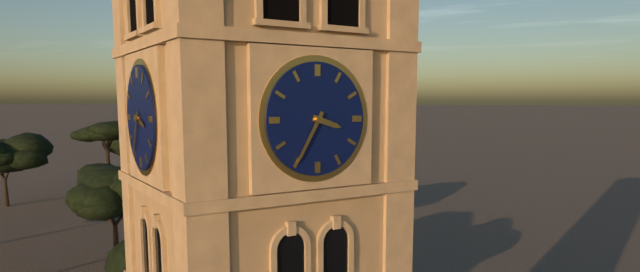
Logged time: 3,35
